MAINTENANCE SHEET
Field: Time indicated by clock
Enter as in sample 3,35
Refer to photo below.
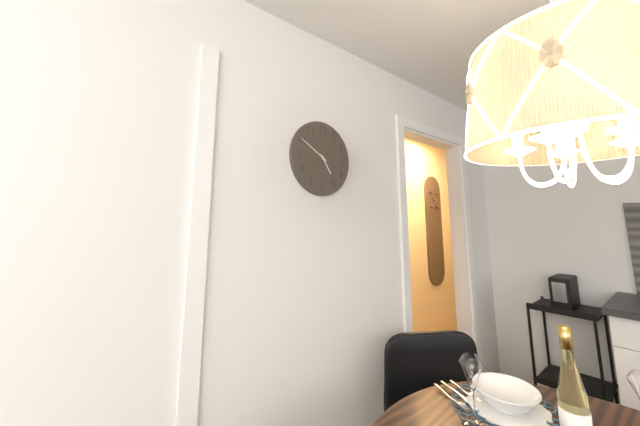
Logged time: 4,50
